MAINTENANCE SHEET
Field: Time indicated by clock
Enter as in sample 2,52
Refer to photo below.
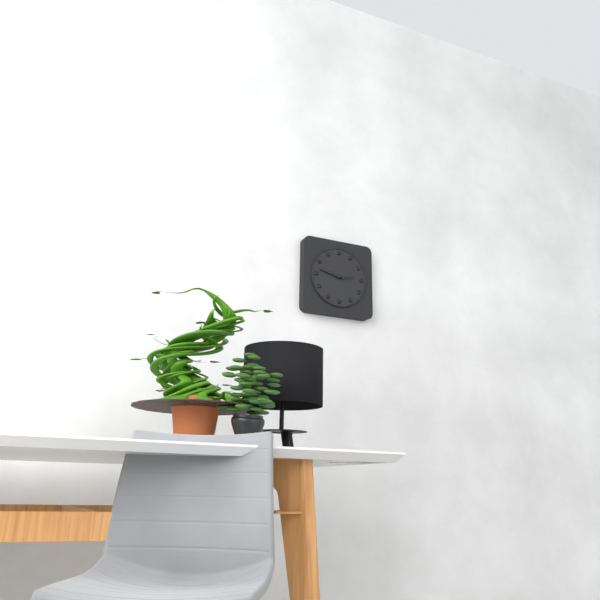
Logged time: 2,47
